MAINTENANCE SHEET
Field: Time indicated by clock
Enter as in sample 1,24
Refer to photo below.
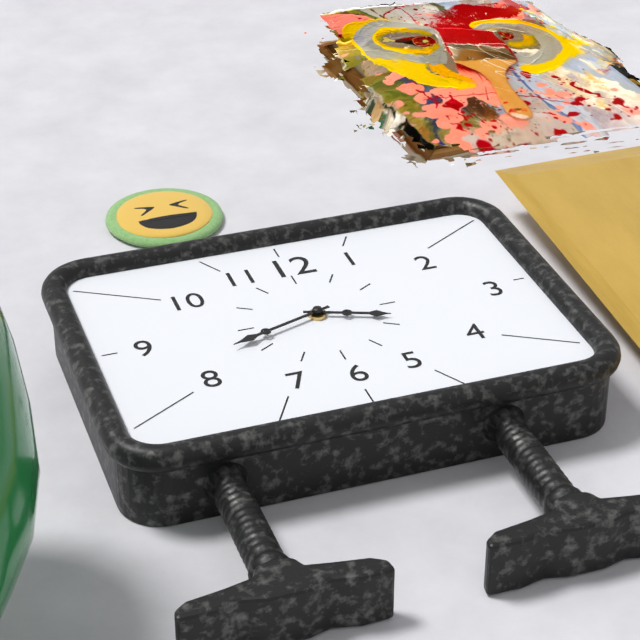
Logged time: 3,42
